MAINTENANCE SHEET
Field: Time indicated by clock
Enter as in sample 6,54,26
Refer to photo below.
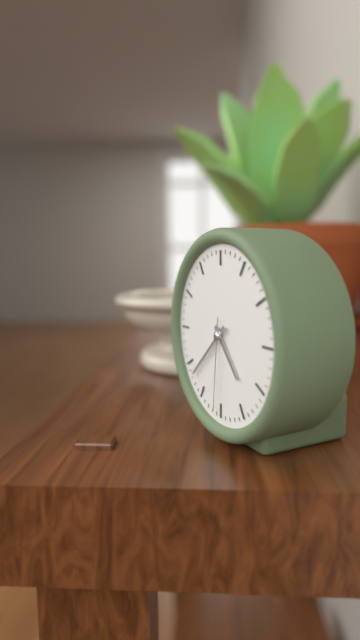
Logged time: 4,38,31
